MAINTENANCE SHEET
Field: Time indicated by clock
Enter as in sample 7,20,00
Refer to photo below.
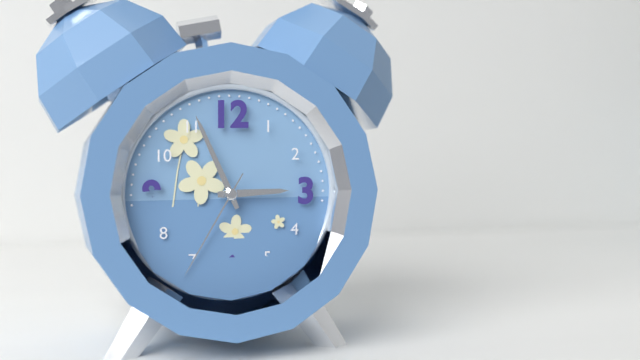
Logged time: 2,56,35
